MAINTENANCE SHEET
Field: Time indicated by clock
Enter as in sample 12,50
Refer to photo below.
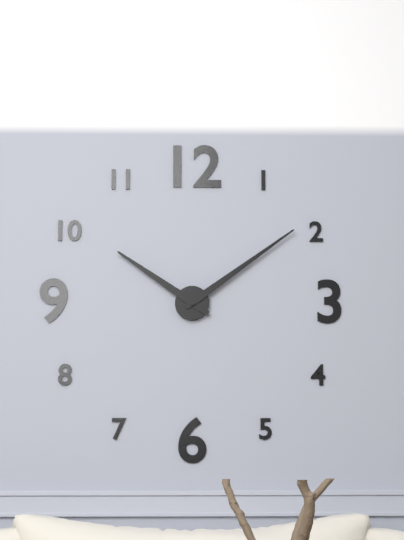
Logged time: 10,09
